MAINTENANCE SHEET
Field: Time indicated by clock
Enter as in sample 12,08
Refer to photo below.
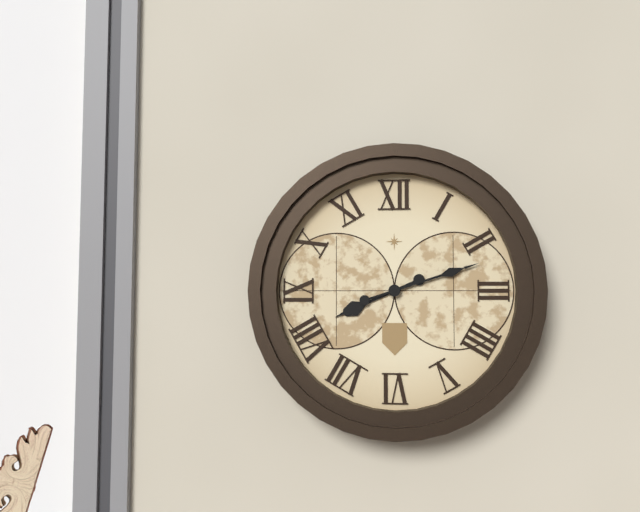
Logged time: 8,12
